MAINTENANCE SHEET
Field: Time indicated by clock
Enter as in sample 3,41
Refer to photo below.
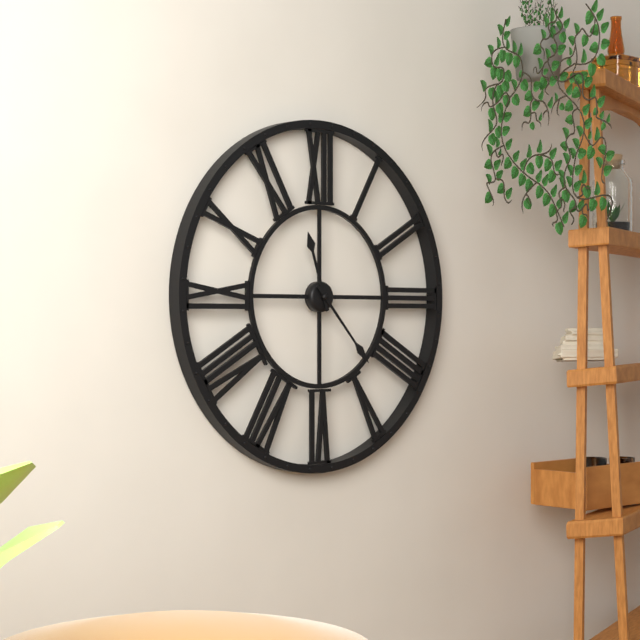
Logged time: 11,23
